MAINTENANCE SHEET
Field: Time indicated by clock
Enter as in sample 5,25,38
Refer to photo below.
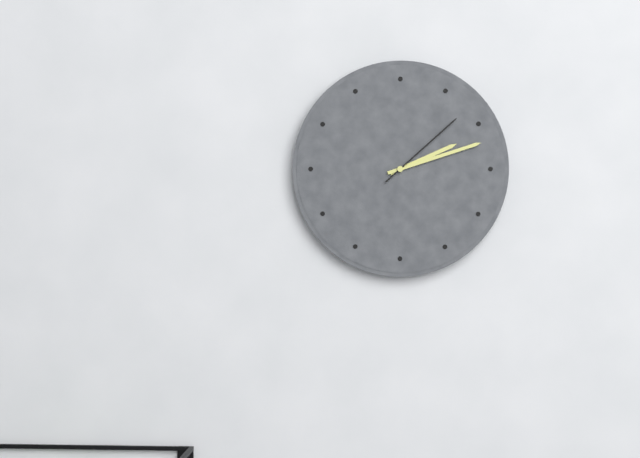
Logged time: 2,12,08
